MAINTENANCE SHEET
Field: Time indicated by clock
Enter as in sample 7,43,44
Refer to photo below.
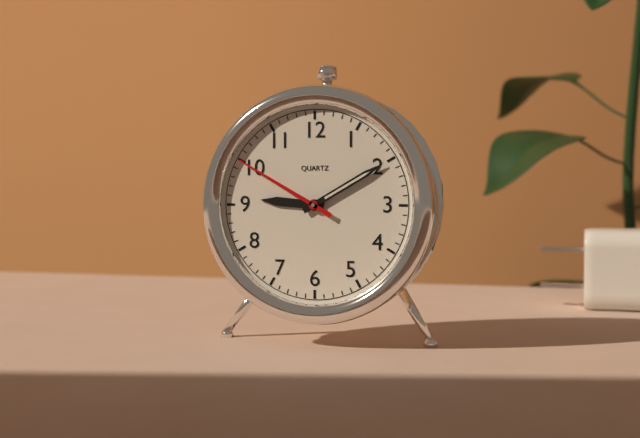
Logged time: 9,10,50
